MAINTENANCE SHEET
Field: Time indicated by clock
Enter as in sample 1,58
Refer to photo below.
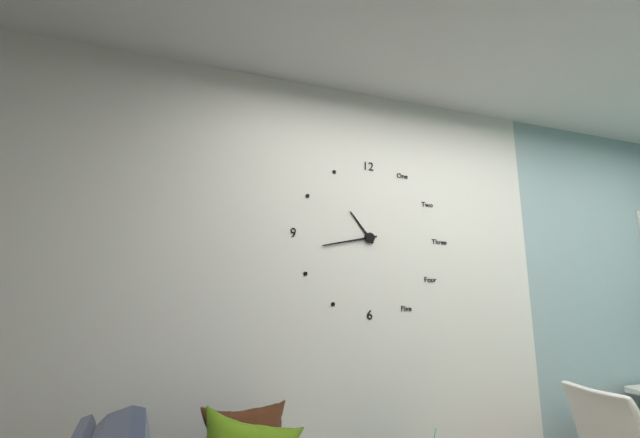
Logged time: 10,43
